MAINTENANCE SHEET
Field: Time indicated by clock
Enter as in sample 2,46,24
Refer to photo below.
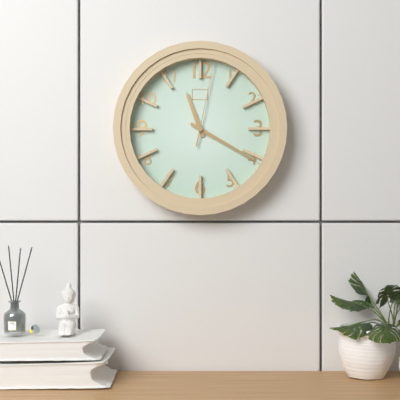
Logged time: 11,20,02
